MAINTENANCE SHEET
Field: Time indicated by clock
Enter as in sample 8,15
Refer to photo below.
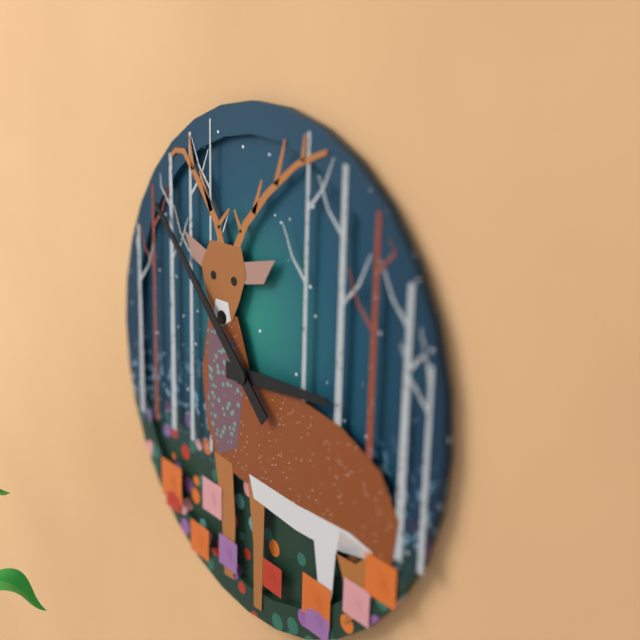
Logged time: 2,52
